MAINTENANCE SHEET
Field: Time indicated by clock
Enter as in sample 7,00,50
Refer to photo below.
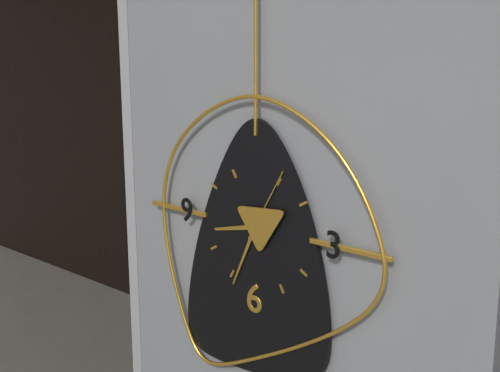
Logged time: 8,34,05
